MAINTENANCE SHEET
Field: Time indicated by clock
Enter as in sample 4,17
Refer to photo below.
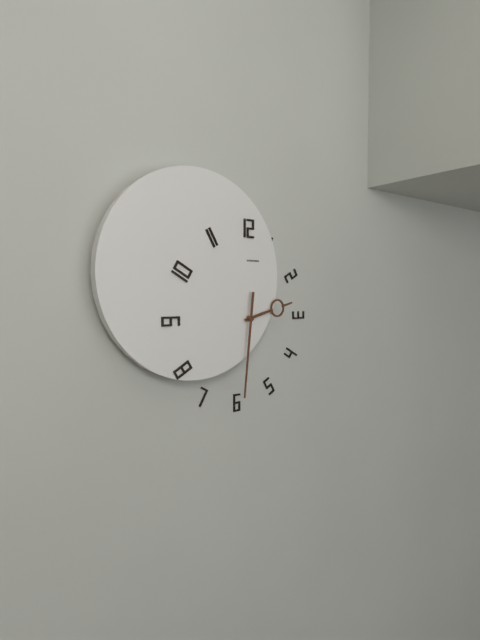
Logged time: 2,31
